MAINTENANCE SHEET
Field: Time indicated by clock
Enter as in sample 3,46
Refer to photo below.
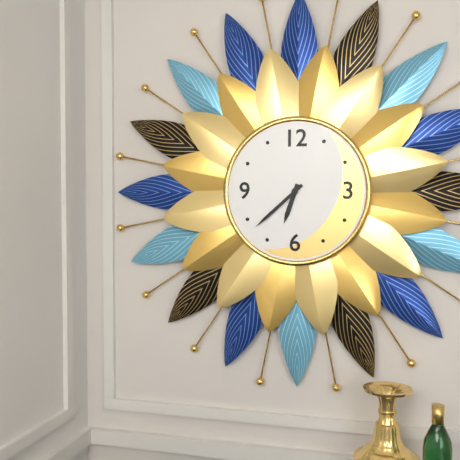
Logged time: 6,38
